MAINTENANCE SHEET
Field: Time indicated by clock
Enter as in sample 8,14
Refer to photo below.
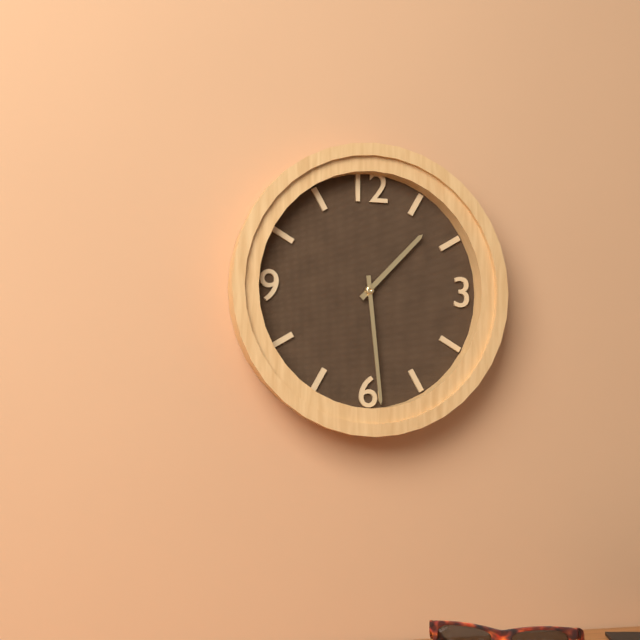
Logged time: 1,29
